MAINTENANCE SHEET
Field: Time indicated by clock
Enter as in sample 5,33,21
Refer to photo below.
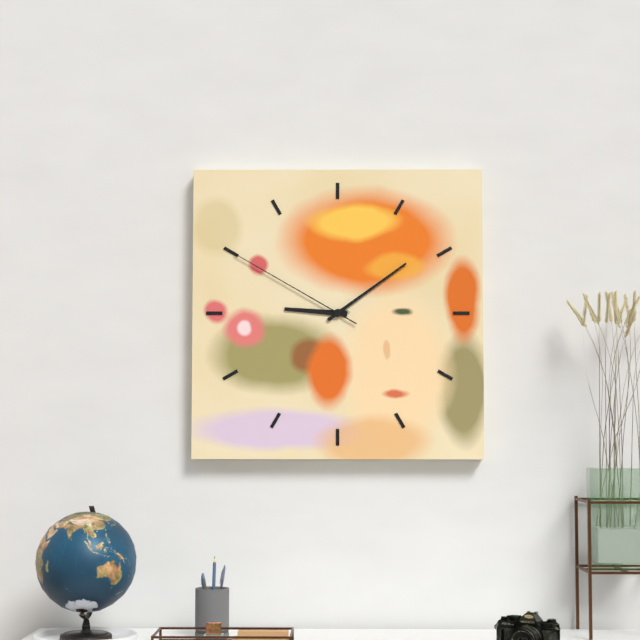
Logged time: 9,09,50
